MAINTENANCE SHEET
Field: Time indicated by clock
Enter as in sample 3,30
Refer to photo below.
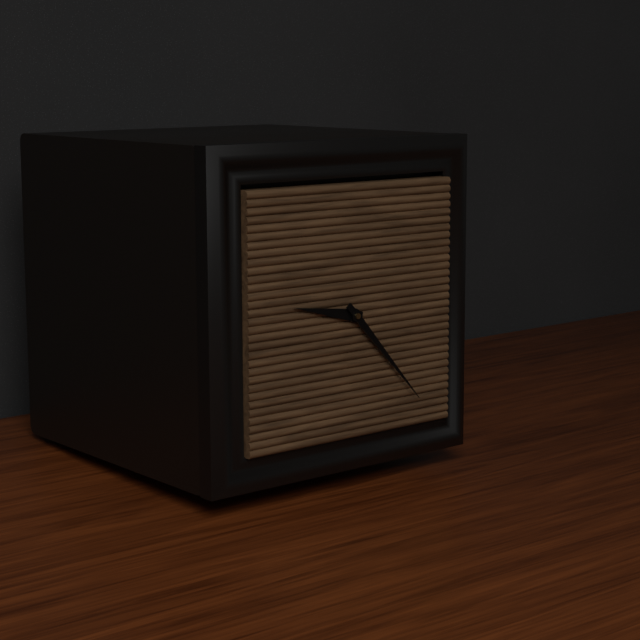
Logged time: 9,23
